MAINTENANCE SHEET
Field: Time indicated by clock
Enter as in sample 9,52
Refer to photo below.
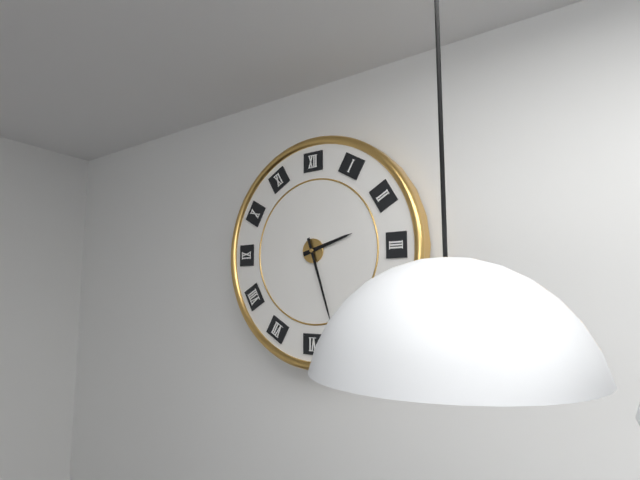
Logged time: 2,27
